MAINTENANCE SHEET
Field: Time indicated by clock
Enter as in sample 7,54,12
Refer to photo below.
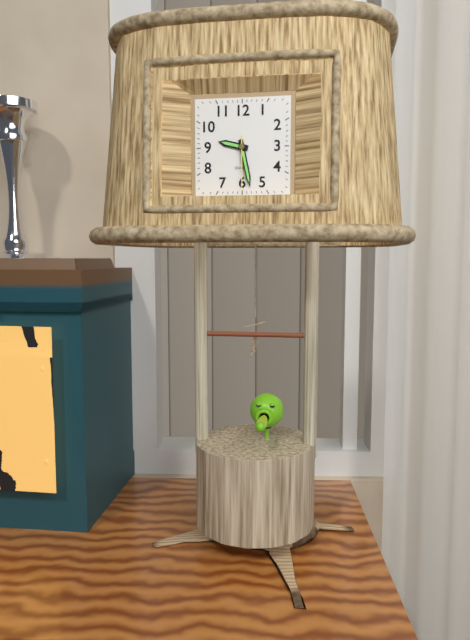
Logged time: 9,28,30
